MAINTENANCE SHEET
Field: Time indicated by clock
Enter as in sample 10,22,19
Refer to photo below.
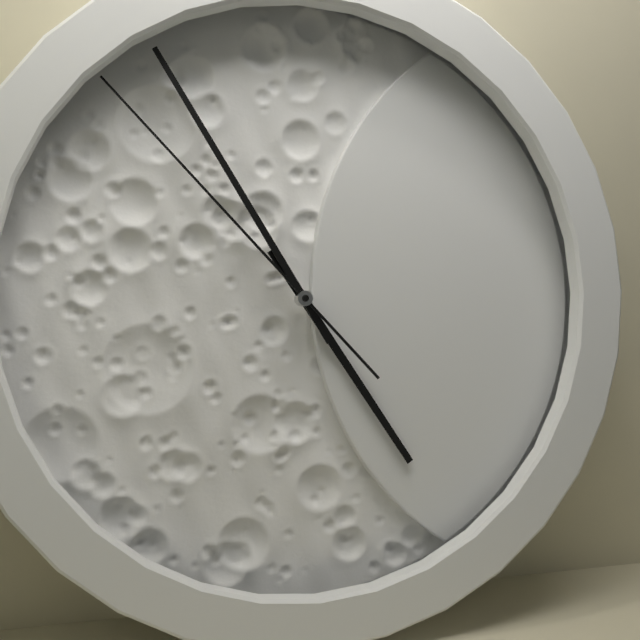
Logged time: 4,55,53
